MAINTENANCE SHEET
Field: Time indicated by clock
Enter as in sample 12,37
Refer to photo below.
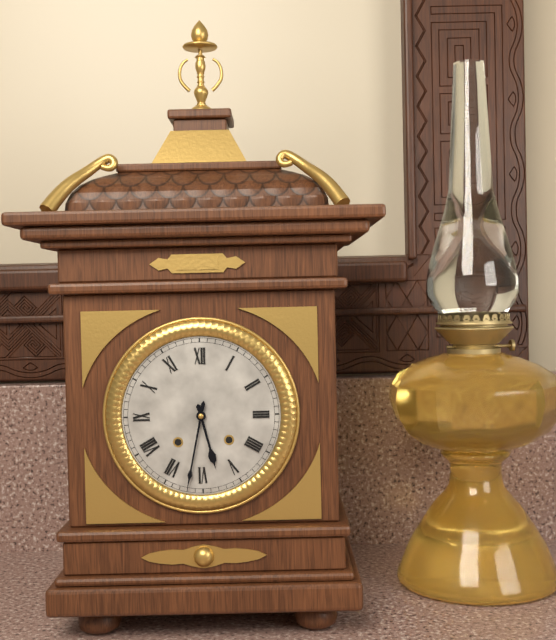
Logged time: 5,32
